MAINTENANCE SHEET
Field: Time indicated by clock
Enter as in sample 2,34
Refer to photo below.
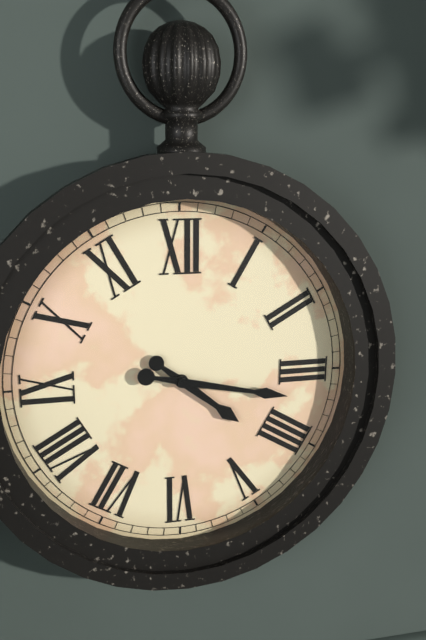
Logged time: 4,17
